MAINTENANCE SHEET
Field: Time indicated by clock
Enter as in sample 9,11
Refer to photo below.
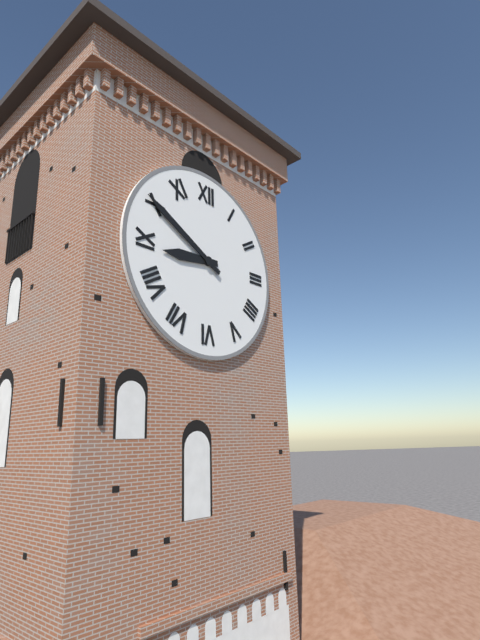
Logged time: 8,50
